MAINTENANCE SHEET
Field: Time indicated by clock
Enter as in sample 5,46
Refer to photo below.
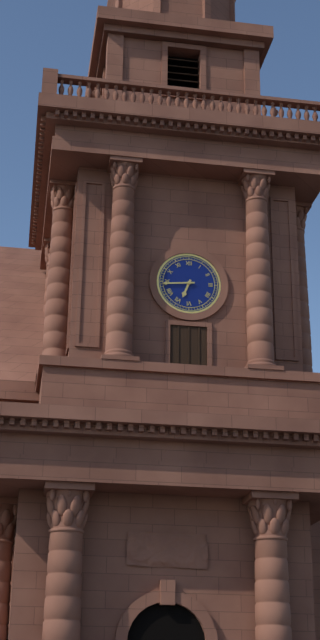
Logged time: 6,44
